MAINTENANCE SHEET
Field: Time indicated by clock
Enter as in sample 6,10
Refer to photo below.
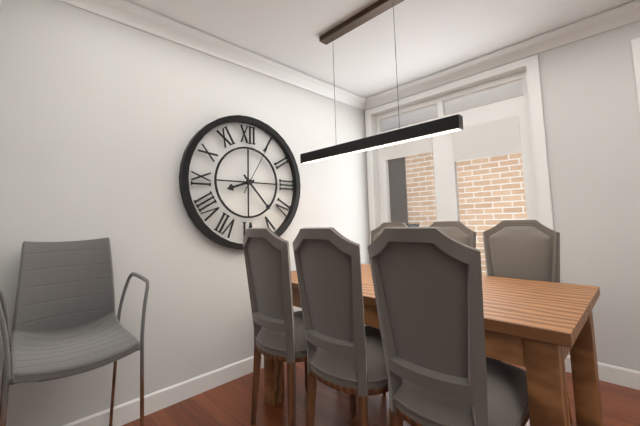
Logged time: 8,23
